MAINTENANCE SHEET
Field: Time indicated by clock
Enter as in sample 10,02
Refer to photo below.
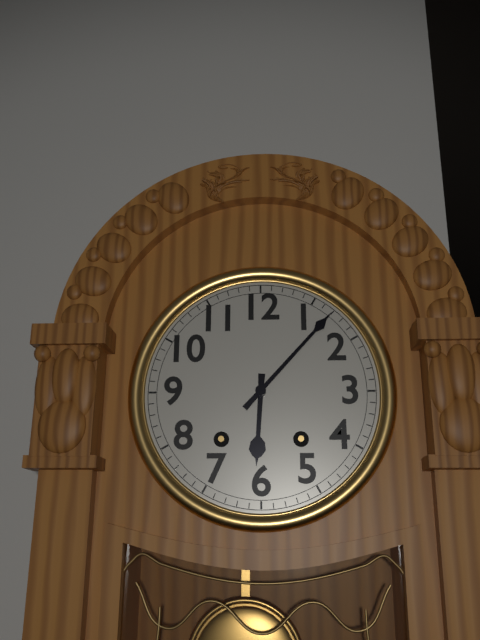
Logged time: 6,07
